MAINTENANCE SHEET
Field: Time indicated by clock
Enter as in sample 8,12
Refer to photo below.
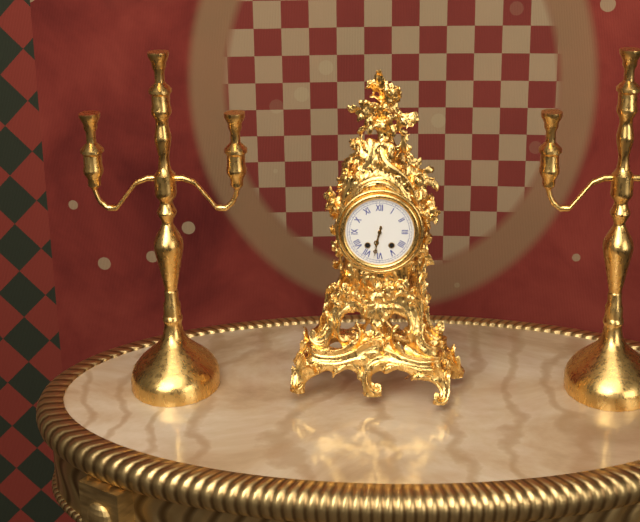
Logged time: 6,32
